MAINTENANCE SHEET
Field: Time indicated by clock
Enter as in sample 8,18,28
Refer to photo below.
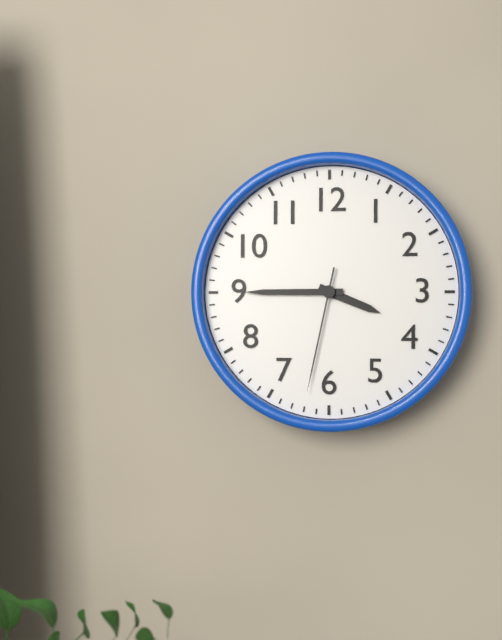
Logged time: 3,45,32
